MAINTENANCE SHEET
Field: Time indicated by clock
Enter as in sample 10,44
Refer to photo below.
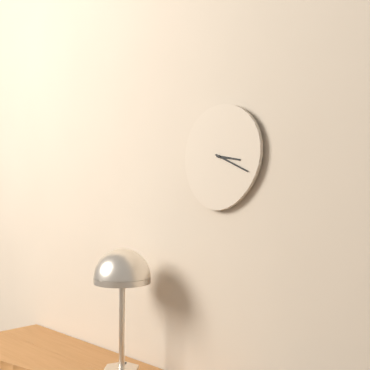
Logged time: 3,19
